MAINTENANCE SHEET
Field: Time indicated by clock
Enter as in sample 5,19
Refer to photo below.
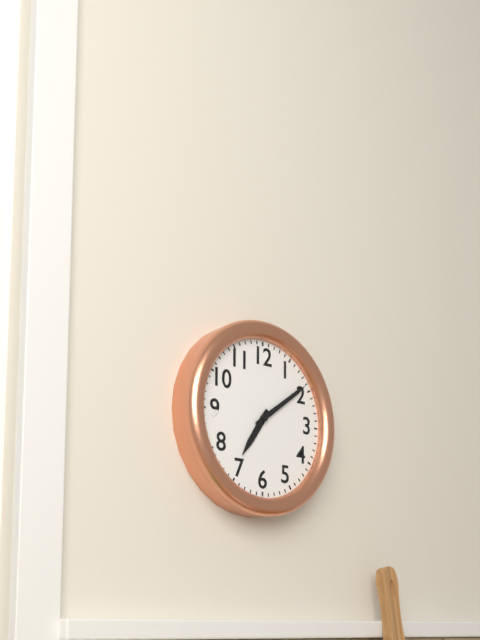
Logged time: 7,09
